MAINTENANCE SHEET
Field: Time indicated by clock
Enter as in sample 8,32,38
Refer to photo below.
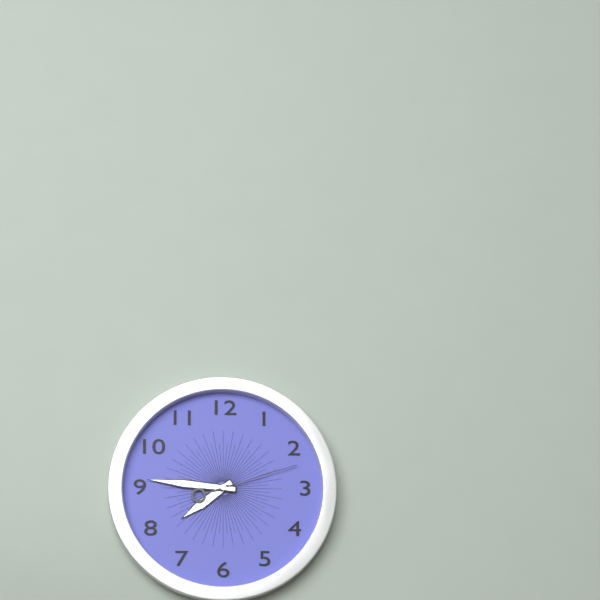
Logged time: 7,46,12
